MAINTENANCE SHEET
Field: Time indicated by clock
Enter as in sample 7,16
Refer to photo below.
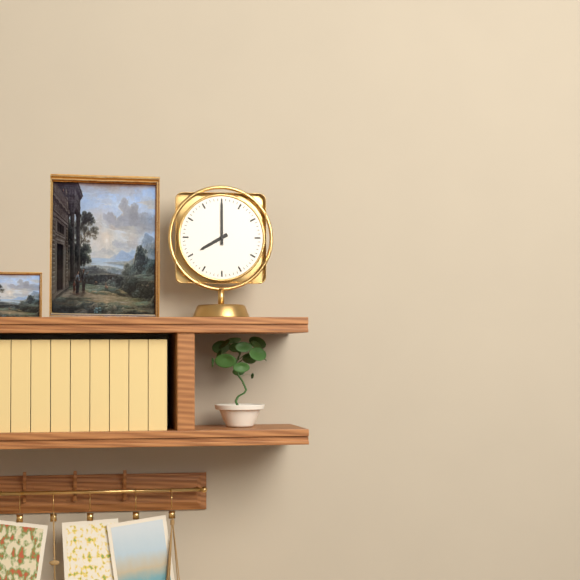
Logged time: 8,00
